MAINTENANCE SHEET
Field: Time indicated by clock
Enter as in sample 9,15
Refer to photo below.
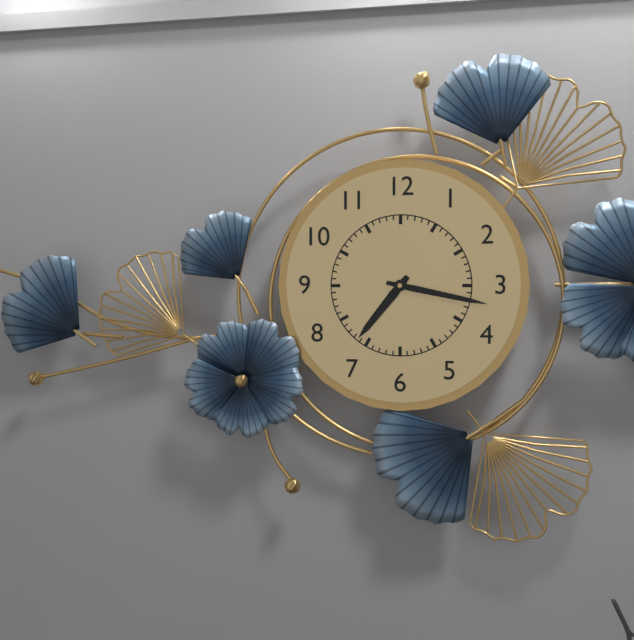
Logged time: 7,17
